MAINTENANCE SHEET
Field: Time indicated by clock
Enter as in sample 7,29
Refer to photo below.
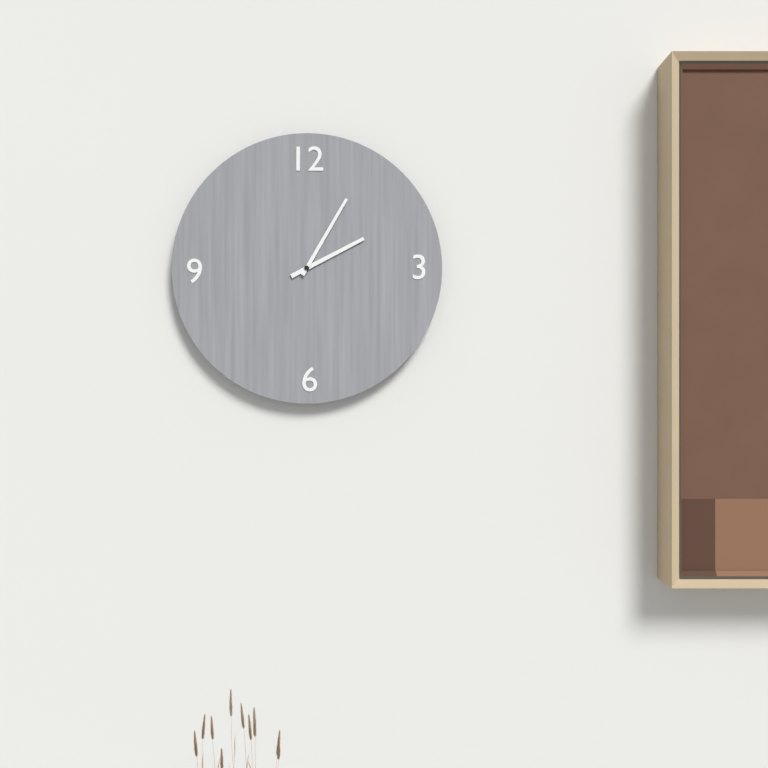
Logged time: 2,05
